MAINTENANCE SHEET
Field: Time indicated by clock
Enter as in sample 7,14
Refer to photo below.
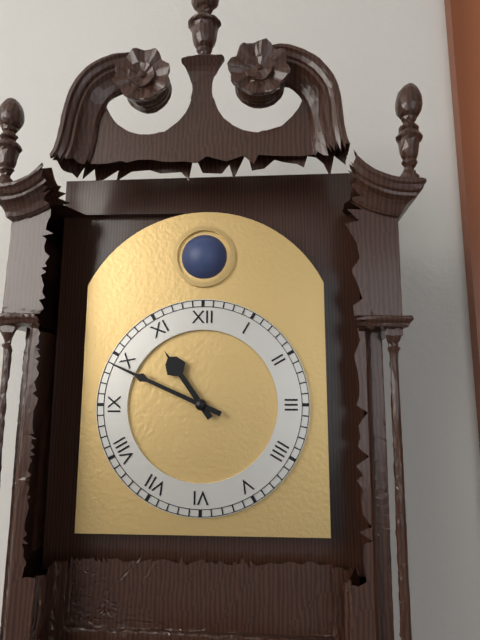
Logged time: 10,49
